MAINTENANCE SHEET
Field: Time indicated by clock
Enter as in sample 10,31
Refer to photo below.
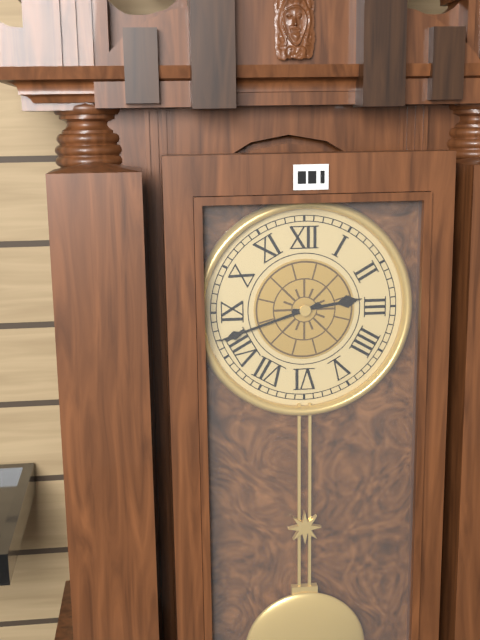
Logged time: 2,42
